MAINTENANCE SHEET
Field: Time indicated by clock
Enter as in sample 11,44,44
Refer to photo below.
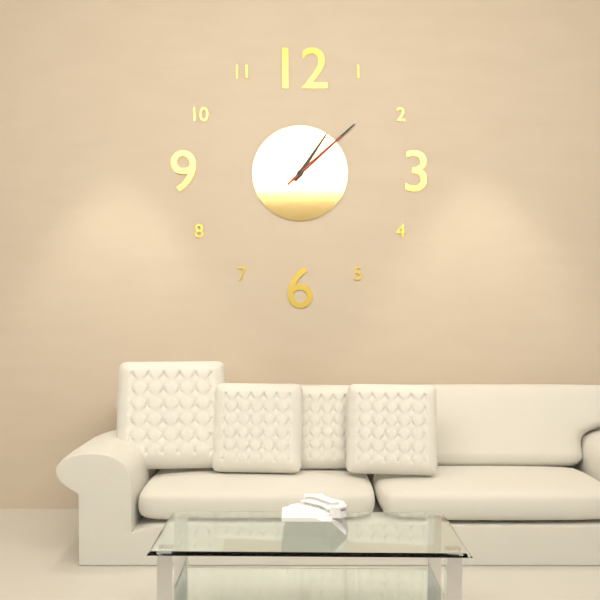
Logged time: 1,08,08
